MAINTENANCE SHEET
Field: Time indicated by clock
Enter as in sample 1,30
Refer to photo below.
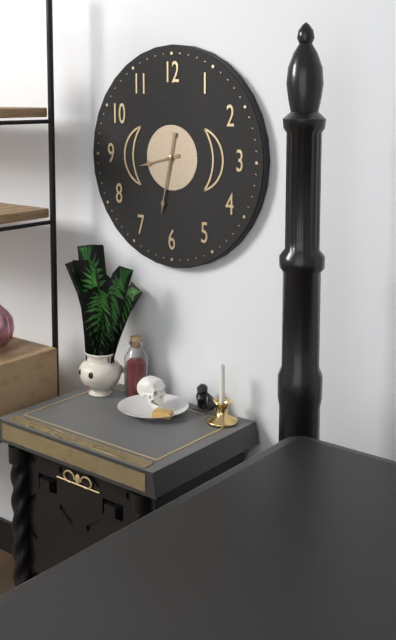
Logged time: 8,32
